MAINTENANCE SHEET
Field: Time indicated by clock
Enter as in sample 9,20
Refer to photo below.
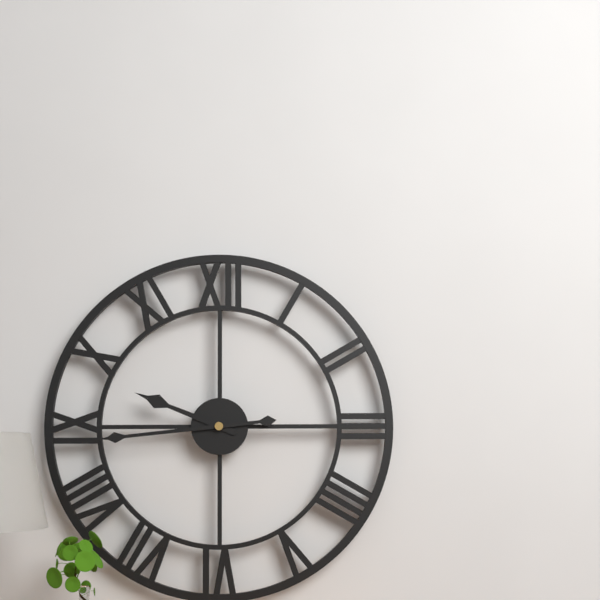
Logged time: 9,44
